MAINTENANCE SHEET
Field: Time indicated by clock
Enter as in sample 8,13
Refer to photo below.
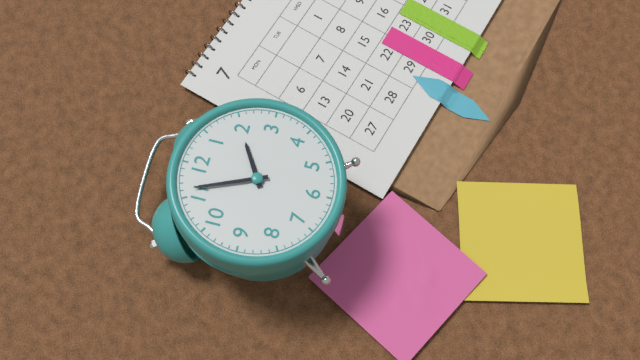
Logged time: 1,56
